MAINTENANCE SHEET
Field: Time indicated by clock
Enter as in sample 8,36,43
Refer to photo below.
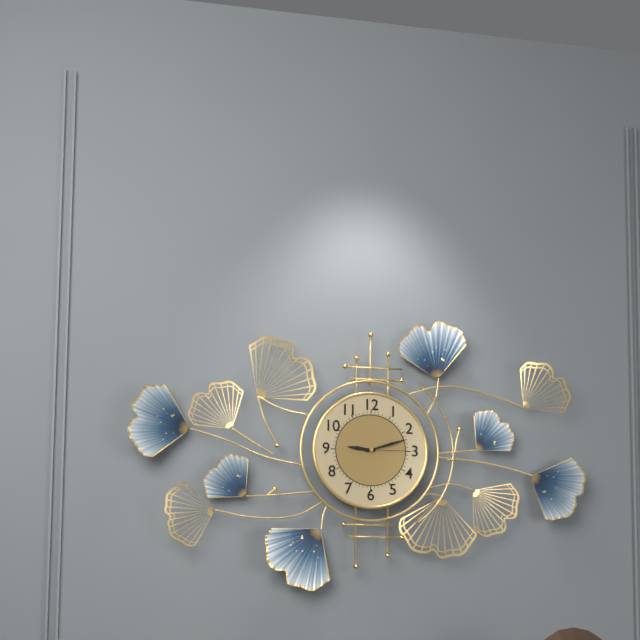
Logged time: 9,12,15
